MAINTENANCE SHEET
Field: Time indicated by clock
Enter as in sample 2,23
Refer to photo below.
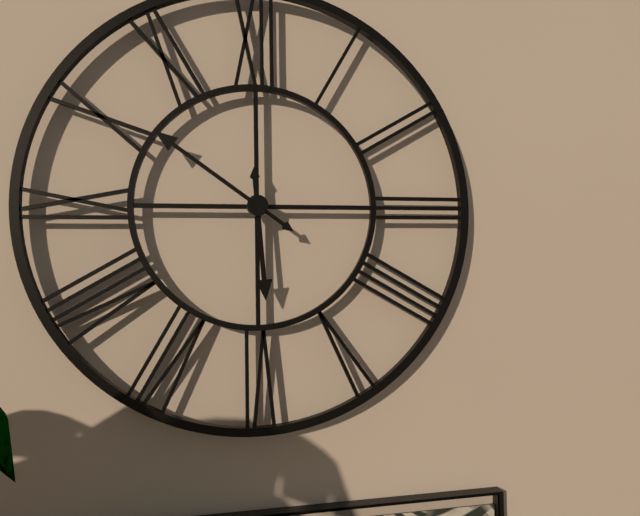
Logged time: 5,51
